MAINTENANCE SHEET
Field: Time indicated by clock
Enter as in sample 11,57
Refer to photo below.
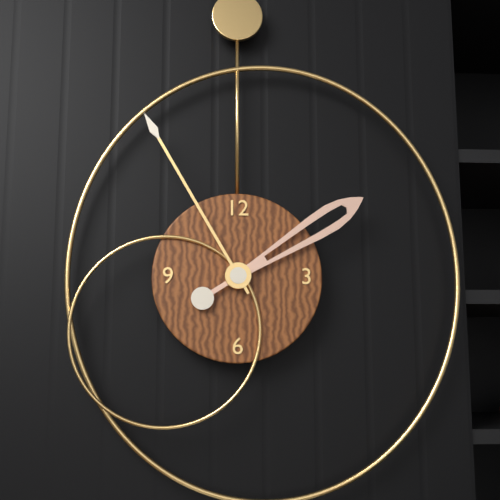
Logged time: 1,55
